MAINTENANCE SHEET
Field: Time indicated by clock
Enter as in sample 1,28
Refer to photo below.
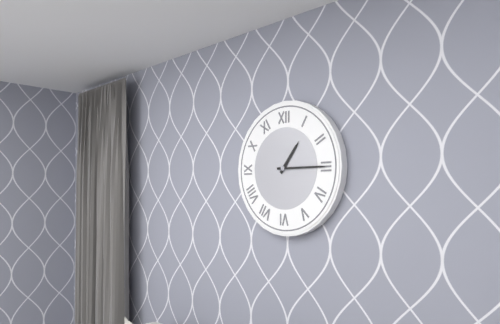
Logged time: 1,15
